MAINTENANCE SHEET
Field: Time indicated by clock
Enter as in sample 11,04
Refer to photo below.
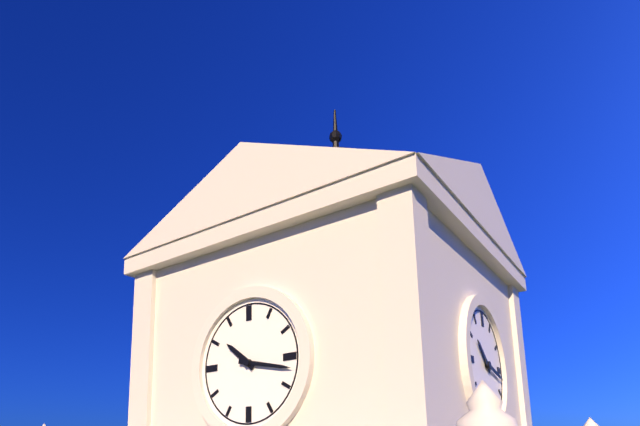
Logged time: 10,17
